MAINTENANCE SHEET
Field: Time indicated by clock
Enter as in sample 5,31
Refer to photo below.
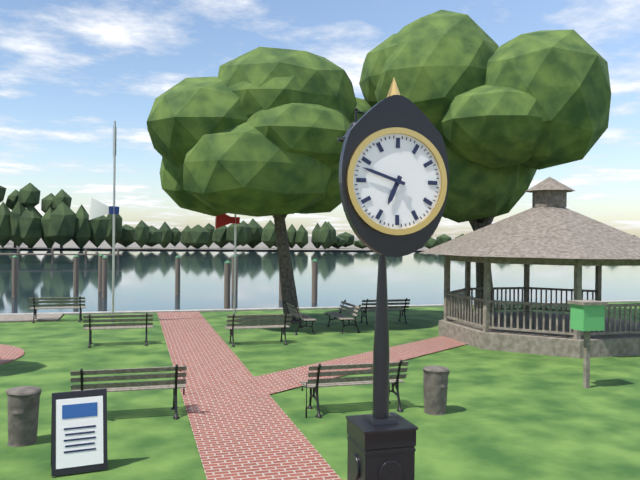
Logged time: 6,48
